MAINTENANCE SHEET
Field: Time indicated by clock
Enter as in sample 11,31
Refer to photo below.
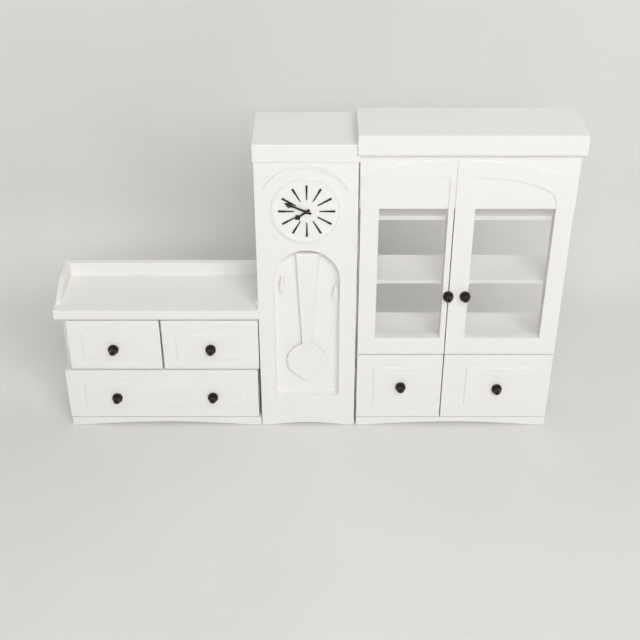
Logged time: 7,49
